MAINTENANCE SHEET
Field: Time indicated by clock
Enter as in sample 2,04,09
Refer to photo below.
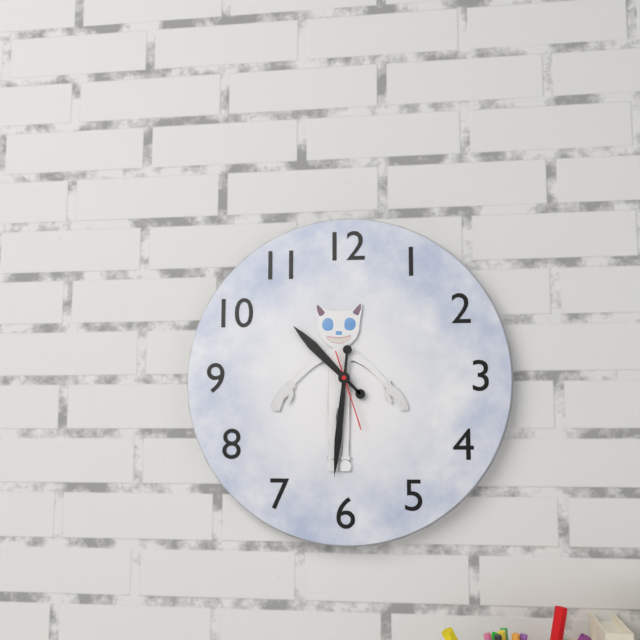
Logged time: 10,31,27
